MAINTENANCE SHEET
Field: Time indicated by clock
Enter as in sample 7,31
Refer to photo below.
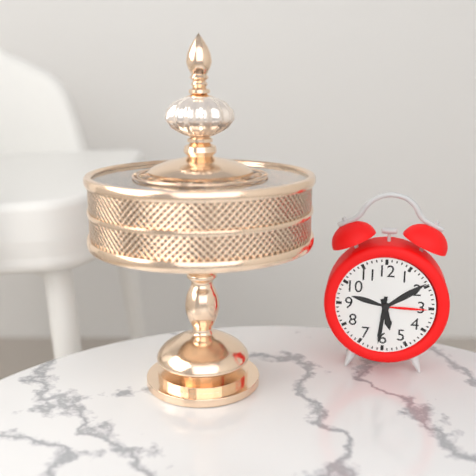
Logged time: 5,31
